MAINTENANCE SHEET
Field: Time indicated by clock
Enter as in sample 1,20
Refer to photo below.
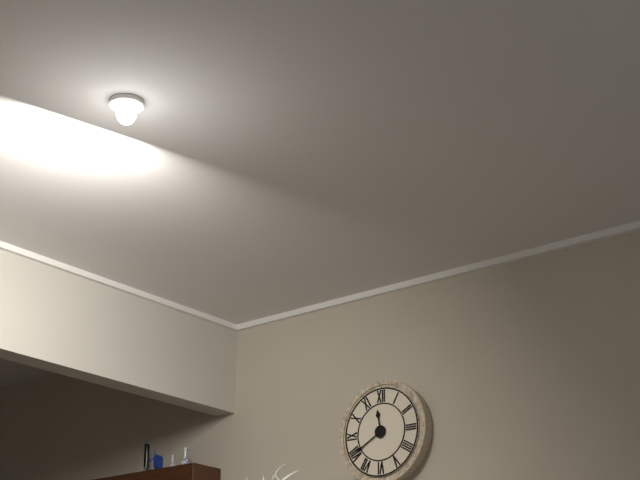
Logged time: 11,40
